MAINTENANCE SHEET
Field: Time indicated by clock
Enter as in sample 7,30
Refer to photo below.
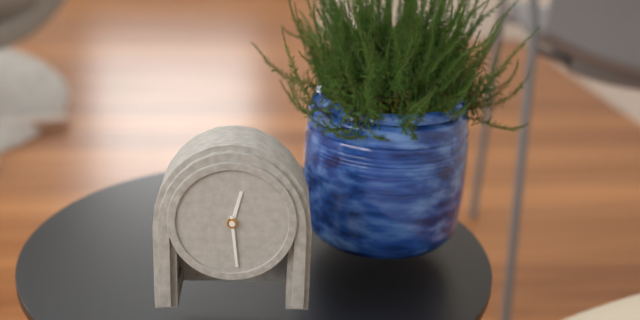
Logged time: 12,29
